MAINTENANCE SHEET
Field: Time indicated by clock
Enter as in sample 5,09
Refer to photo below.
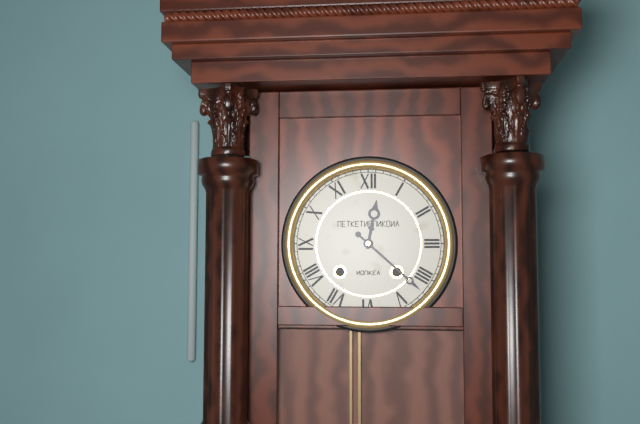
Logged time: 12,22
